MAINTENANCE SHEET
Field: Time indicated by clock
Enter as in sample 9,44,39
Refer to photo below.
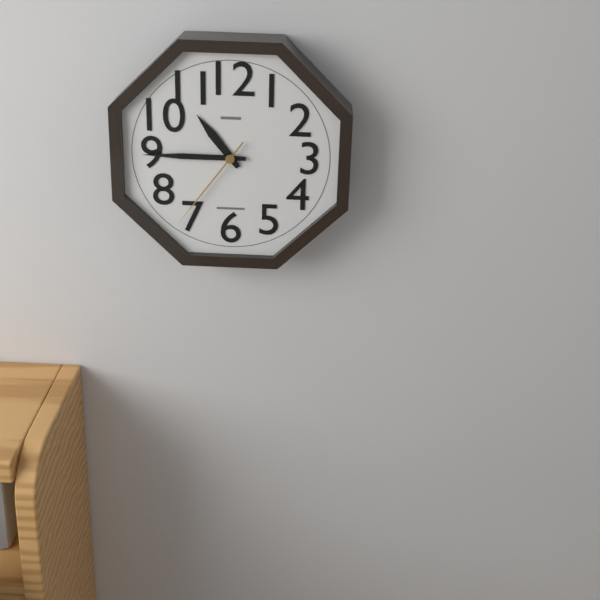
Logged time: 10,45,36
